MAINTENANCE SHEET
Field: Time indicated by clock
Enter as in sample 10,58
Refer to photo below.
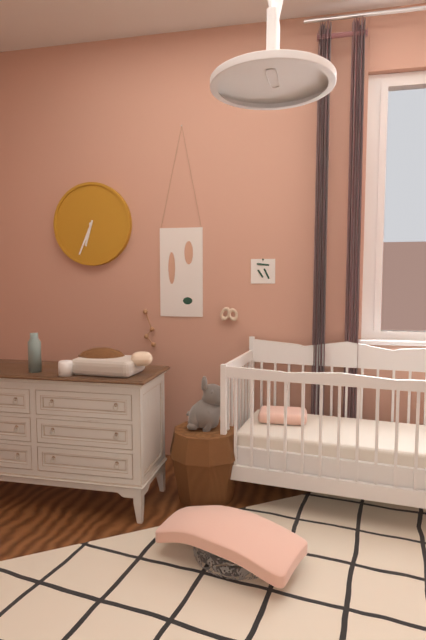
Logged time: 6,34
